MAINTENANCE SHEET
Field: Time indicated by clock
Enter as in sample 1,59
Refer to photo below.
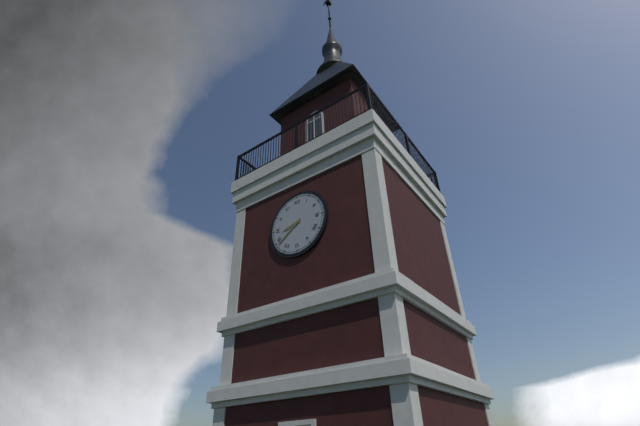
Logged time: 8,39
